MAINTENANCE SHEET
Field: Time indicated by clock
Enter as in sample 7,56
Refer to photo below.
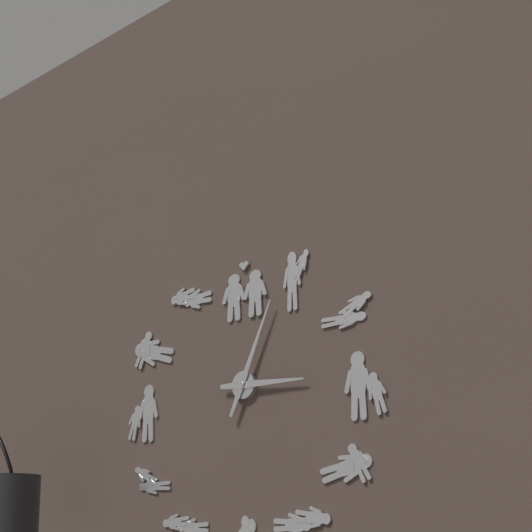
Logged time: 3,04
